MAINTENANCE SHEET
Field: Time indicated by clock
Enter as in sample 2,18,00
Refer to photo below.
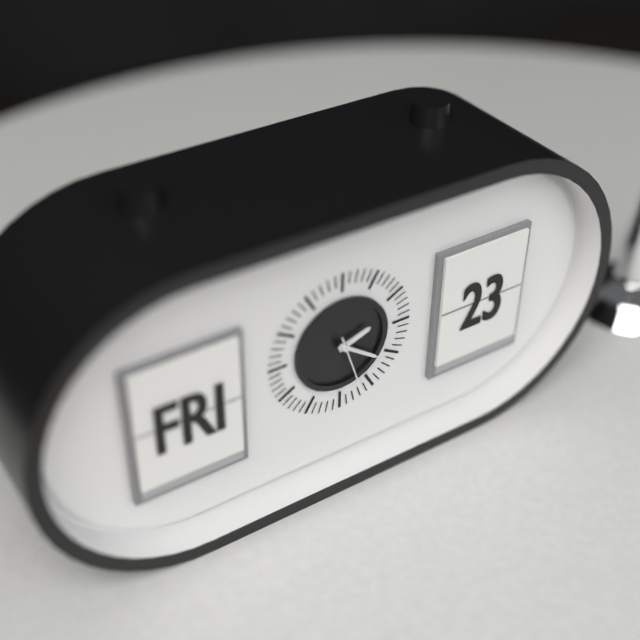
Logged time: 2,21,27
